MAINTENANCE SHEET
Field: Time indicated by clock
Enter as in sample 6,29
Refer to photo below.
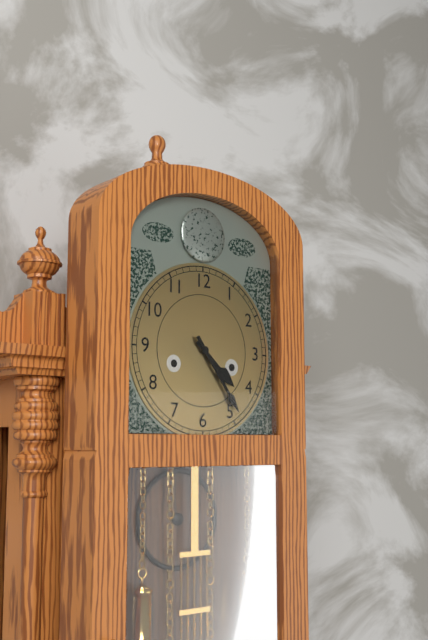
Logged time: 4,24
